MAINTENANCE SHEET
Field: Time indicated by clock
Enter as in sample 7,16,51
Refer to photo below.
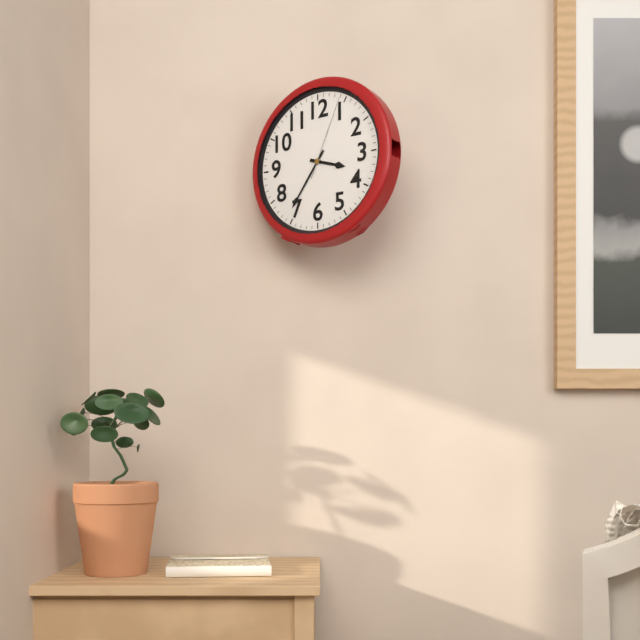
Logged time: 3,36,04
